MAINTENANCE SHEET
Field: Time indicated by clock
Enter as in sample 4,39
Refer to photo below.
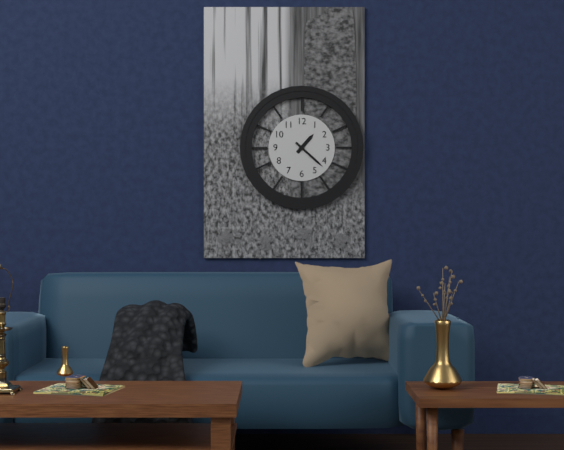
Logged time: 1,22
